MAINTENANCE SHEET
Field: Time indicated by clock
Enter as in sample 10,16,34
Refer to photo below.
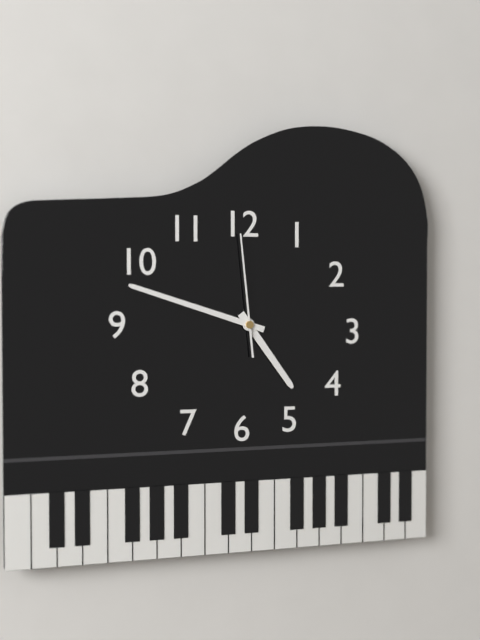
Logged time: 4,48,59
